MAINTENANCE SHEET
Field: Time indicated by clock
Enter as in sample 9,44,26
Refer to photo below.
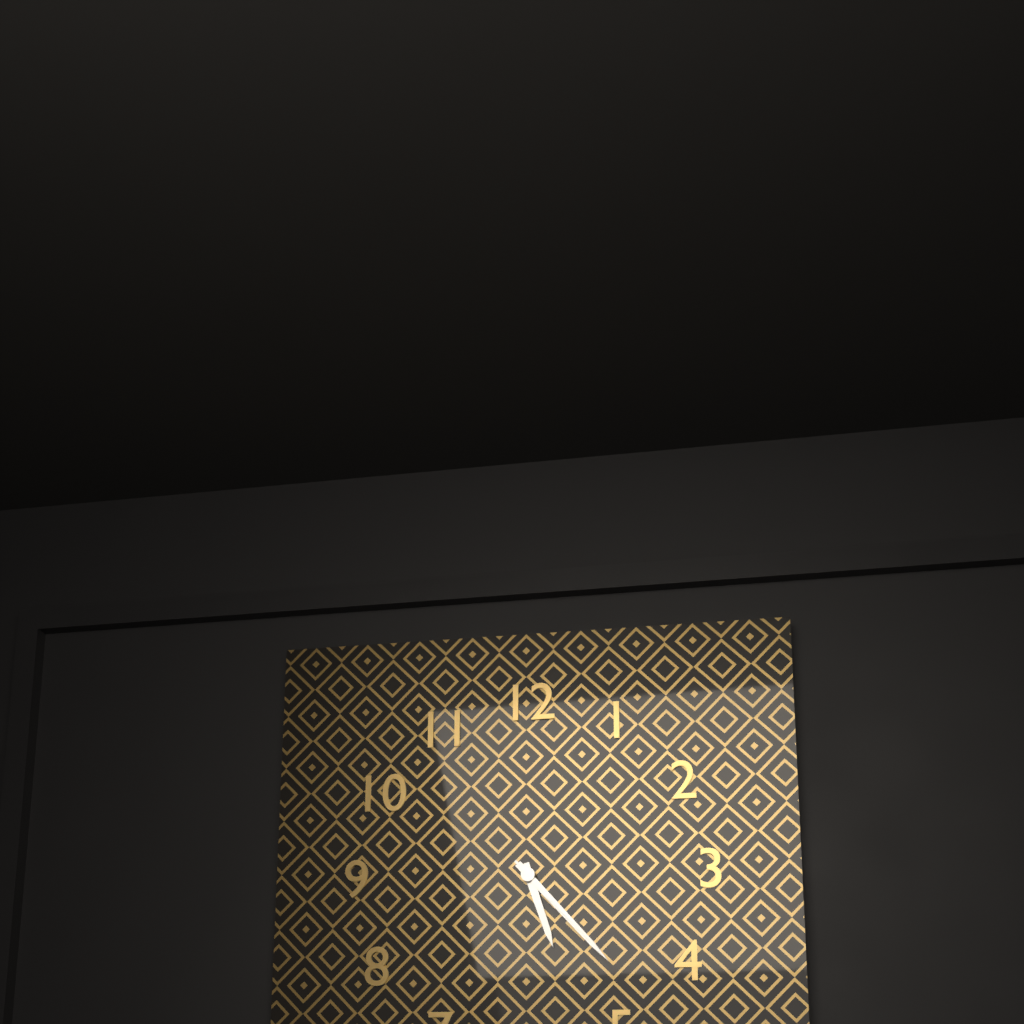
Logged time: 5,23,23
